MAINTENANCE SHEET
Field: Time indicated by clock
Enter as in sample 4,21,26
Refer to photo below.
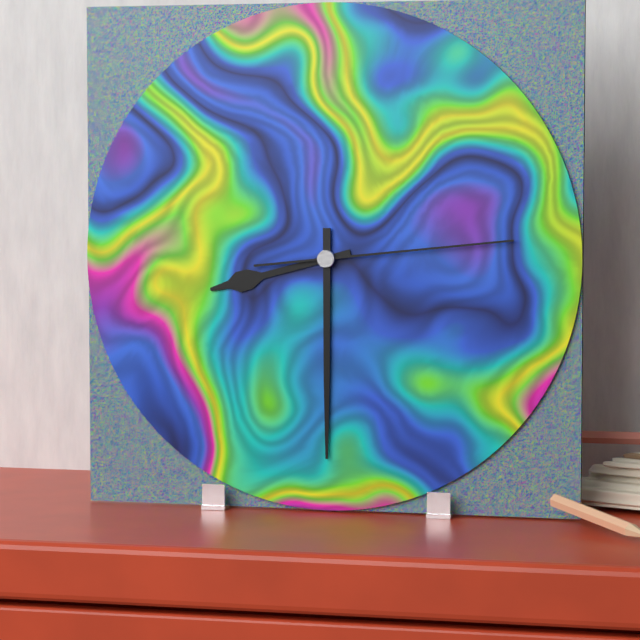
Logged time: 8,30,14
